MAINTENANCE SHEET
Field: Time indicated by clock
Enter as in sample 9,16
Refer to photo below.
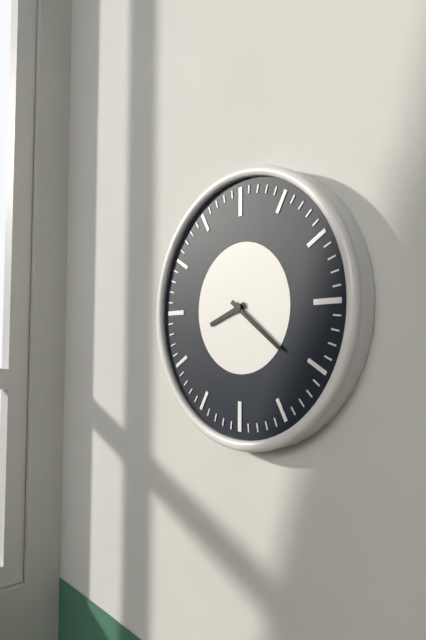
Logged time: 8,21
